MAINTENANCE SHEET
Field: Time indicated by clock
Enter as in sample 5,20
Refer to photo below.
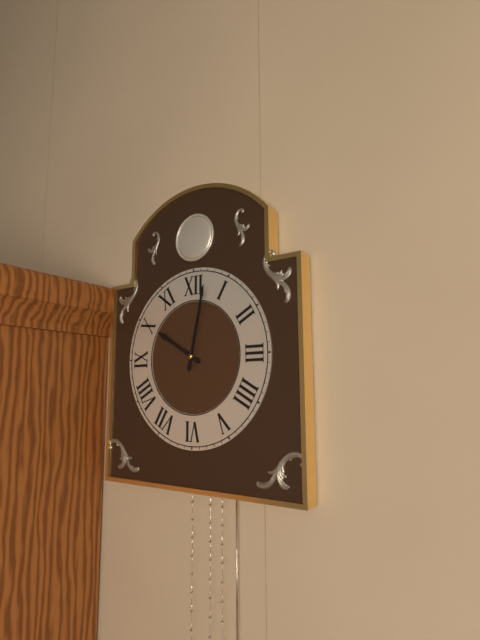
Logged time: 10,02
